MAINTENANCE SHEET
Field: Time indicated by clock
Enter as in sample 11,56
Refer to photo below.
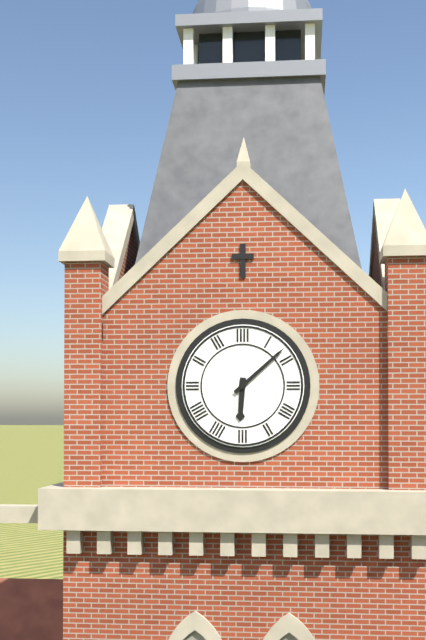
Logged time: 6,08
